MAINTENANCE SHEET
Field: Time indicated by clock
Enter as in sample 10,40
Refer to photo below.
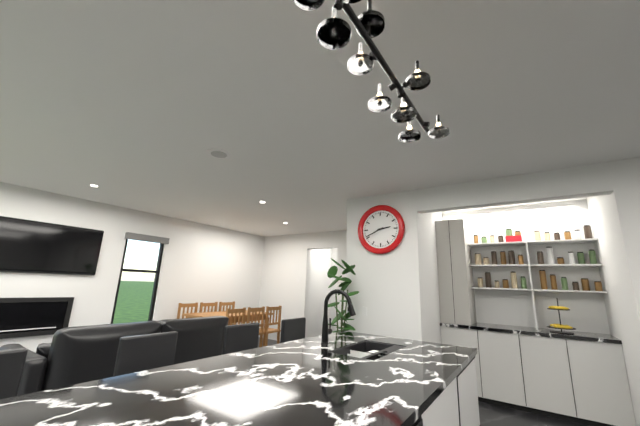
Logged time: 2,41
